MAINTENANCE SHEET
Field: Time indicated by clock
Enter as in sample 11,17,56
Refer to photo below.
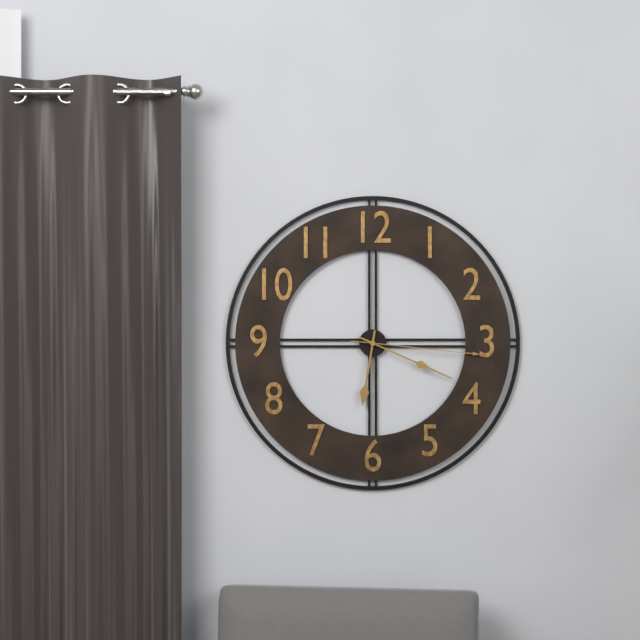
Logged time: 6,19,16
